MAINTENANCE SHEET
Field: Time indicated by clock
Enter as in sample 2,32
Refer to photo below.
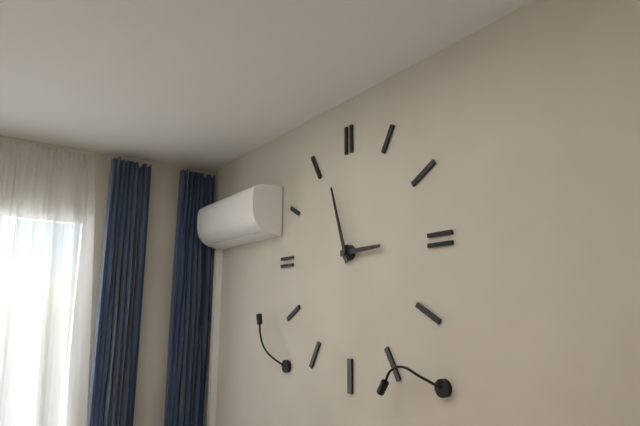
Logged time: 2,57
